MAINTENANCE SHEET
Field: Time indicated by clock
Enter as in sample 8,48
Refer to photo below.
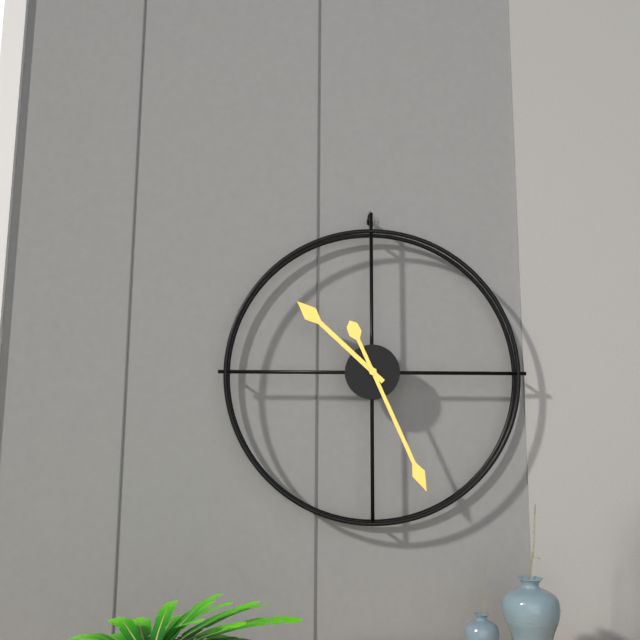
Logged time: 10,26
